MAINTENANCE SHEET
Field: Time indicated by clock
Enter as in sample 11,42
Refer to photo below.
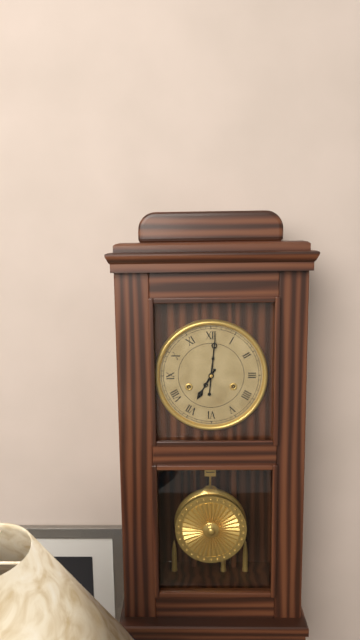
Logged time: 7,01
